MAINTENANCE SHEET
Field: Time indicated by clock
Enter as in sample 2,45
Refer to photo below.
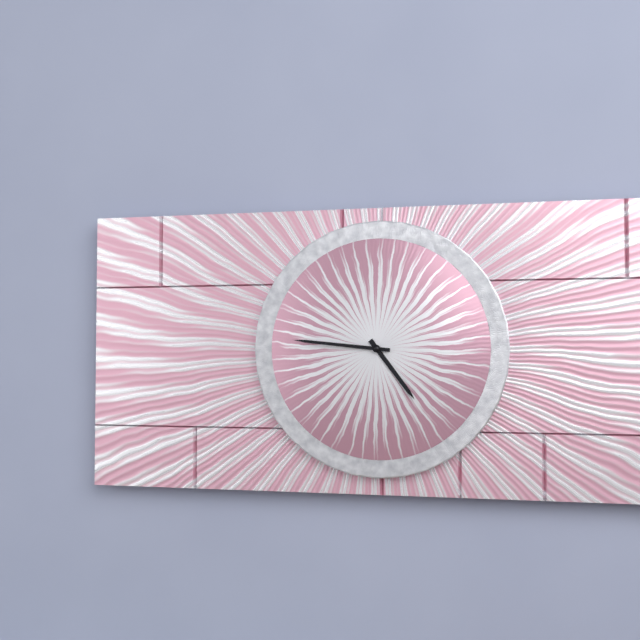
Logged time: 4,46
